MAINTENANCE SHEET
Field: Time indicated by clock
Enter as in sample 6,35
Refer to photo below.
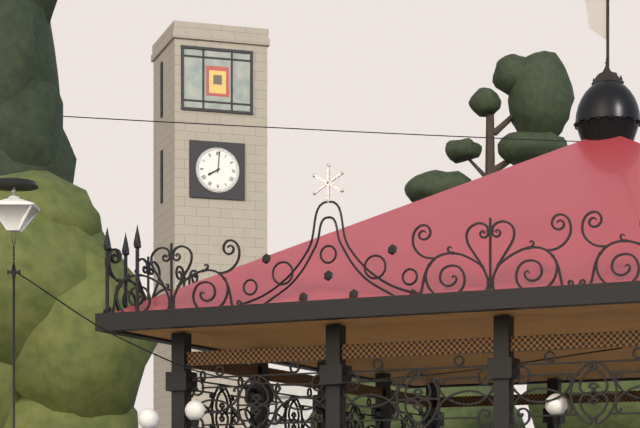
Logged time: 8,01
